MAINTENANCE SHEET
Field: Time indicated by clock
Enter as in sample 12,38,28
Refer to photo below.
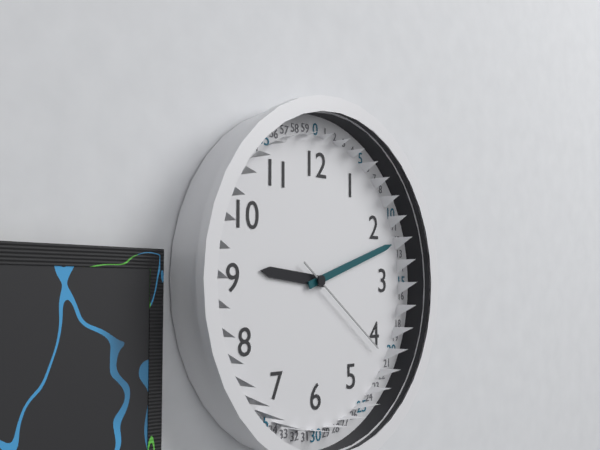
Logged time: 9,12,21
